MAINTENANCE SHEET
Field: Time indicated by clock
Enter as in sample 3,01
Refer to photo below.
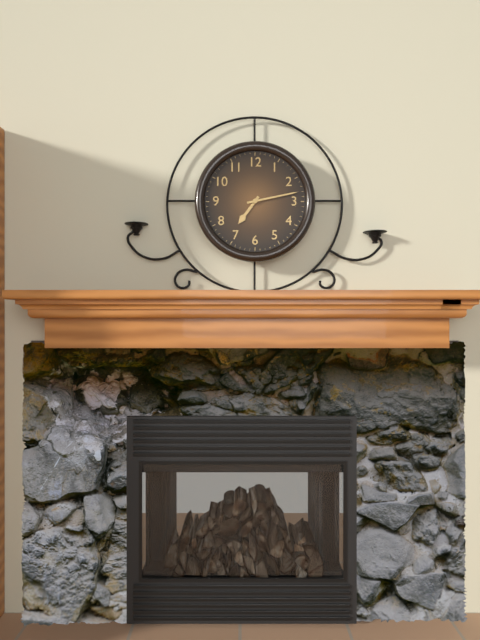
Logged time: 7,13
